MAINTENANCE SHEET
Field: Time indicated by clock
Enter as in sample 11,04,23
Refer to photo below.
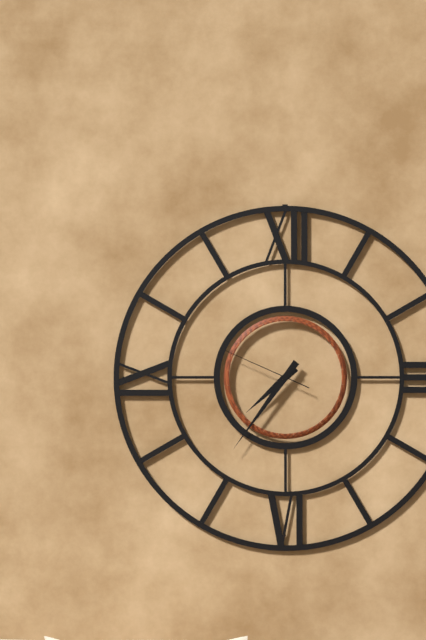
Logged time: 7,36,49
